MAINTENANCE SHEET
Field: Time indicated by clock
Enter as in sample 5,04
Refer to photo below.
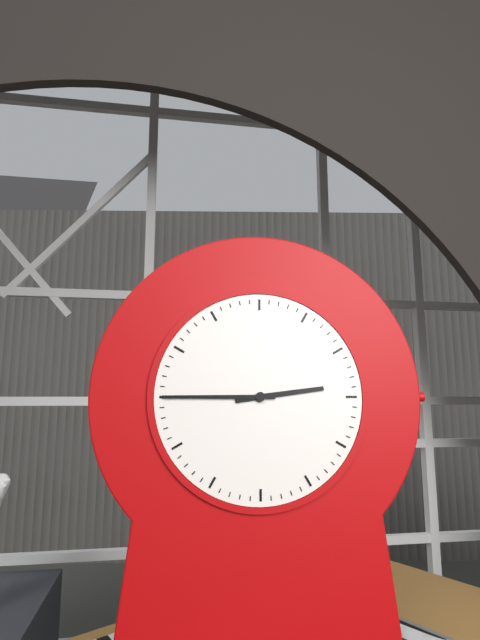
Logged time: 2,45
